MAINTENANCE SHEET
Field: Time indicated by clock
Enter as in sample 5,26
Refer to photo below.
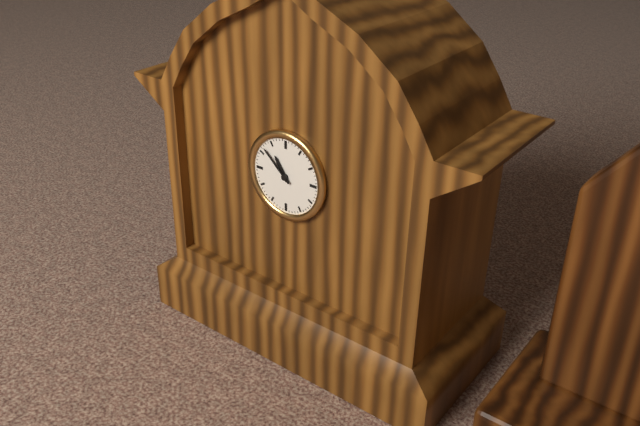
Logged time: 10,52
